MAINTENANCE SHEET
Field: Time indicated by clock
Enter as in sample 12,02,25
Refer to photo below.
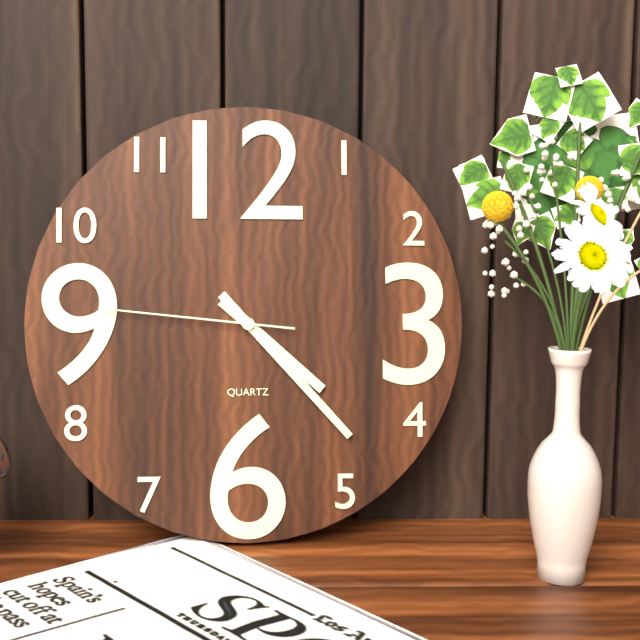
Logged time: 4,23,46
